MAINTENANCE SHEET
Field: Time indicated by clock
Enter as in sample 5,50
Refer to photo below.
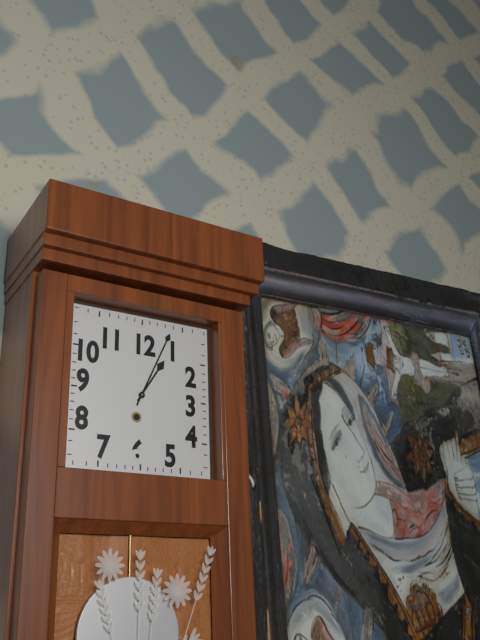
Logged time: 1,04
